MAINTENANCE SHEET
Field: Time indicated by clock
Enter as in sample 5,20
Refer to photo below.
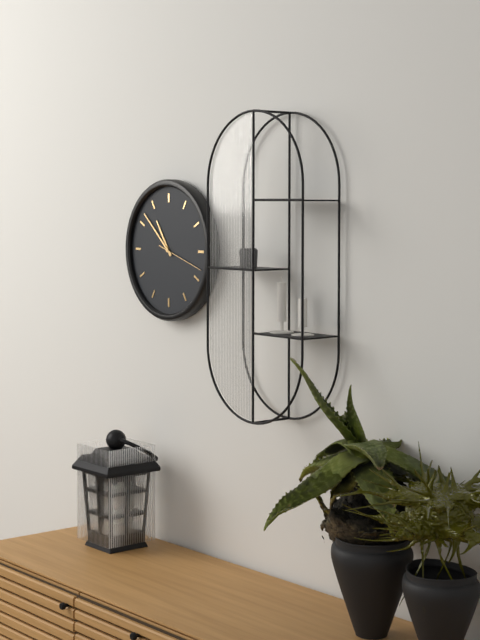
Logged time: 10,52
